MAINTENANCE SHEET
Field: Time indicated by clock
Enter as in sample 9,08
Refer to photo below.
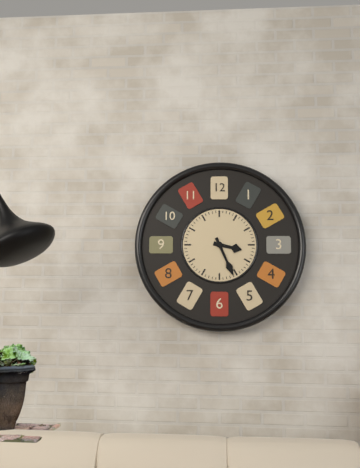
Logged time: 3,26
